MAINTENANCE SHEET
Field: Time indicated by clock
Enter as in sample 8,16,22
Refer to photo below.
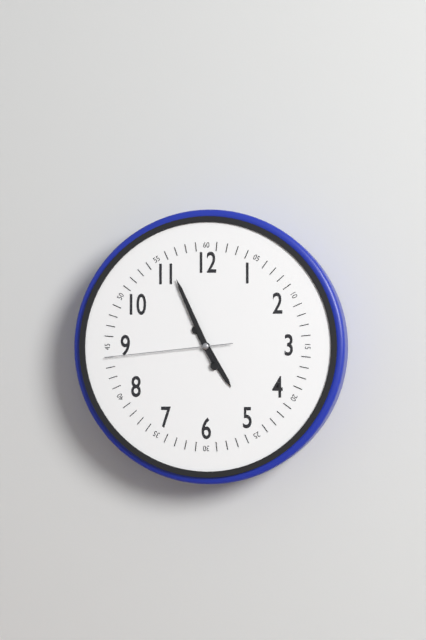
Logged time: 4,56,44
